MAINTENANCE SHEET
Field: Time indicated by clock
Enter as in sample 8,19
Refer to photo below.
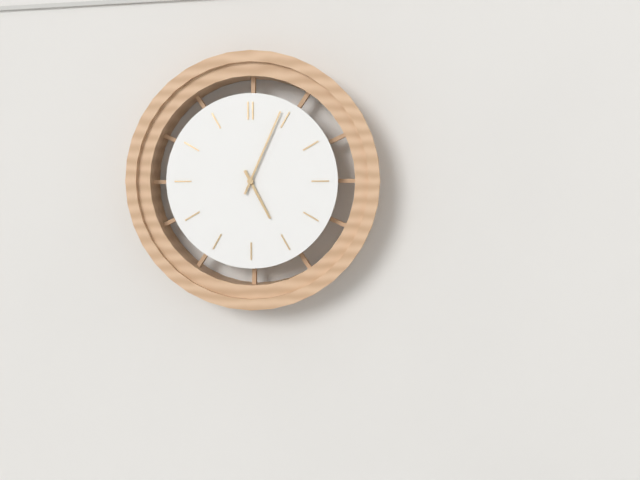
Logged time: 5,04
